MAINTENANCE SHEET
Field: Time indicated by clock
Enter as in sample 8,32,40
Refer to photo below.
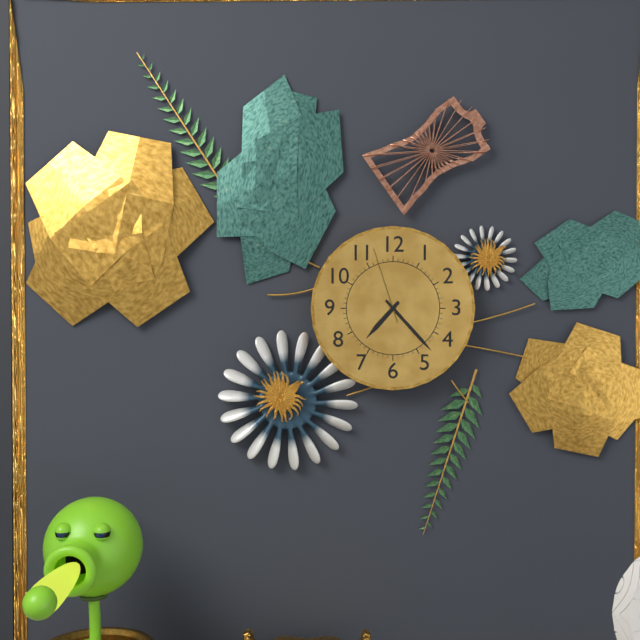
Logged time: 7,23,57
